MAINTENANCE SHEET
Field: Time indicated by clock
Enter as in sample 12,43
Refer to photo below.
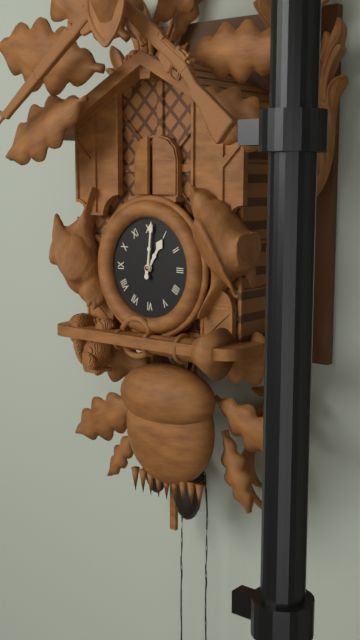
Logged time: 1,01
